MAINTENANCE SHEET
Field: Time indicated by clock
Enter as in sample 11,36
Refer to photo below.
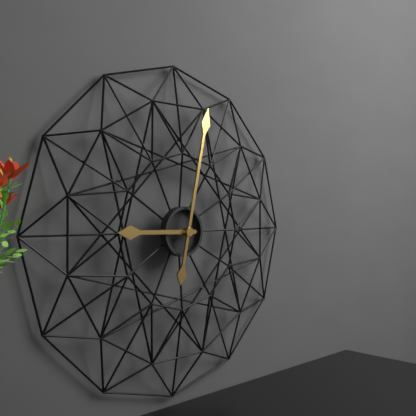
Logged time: 9,02
